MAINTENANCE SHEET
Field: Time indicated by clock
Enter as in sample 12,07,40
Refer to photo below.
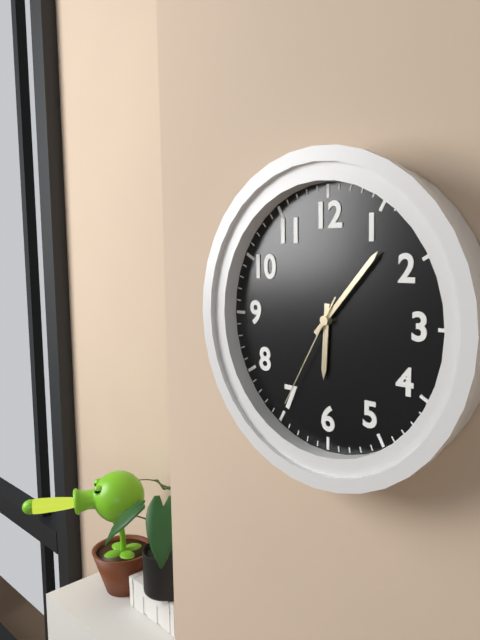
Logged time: 6,07,35
